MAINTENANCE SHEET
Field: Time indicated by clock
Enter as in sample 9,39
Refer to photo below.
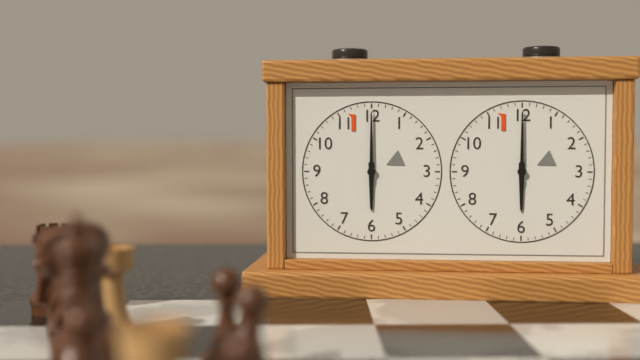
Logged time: 6,00
